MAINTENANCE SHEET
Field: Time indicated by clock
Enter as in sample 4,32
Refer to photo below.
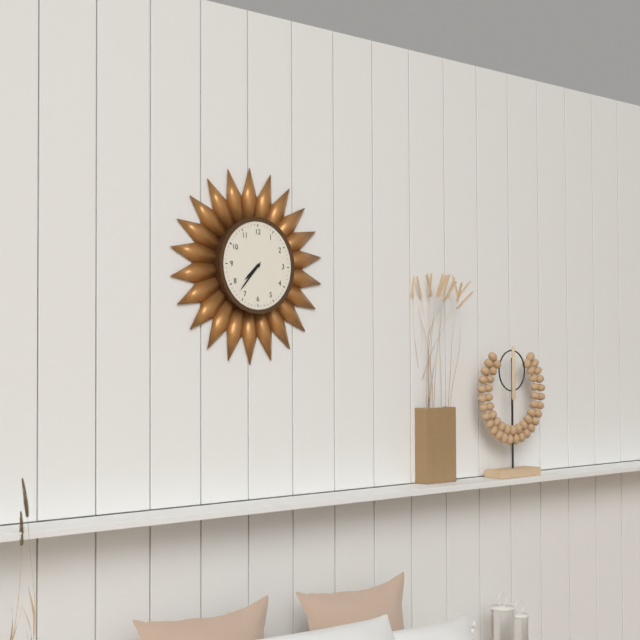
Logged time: 7,37
